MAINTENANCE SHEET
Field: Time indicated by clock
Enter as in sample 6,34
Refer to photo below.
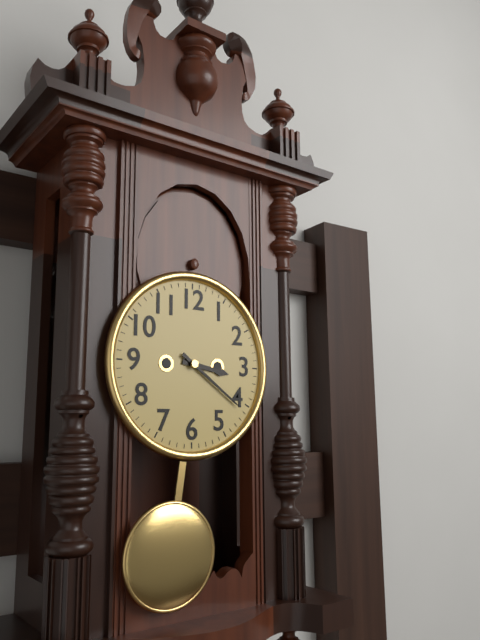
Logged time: 3,21
